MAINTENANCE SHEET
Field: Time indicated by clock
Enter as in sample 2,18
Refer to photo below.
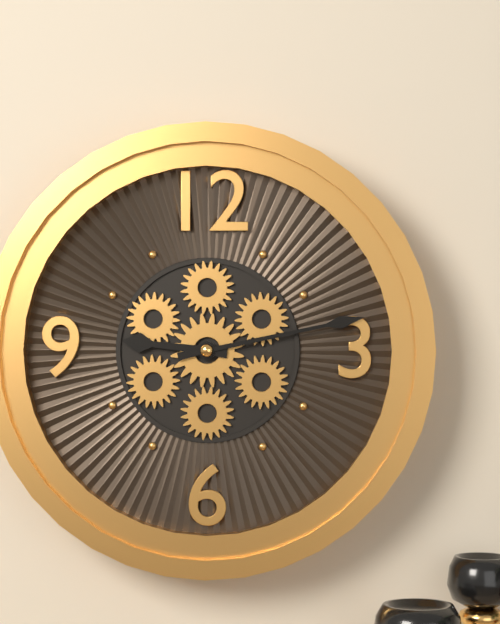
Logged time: 9,13
